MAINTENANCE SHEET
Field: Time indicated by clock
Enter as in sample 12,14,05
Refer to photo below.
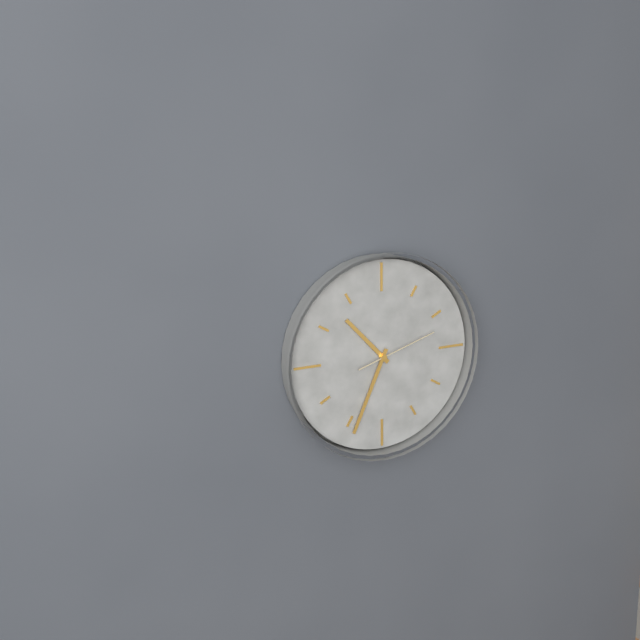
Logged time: 10,34,12
